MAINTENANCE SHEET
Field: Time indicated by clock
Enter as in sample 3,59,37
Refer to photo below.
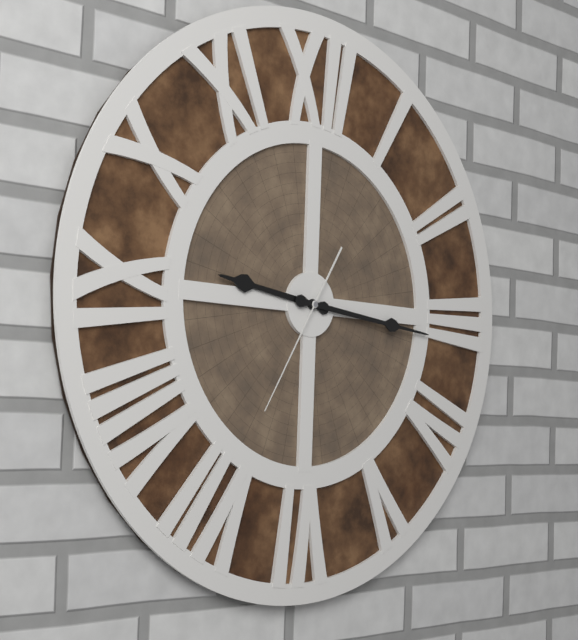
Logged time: 9,16,35
